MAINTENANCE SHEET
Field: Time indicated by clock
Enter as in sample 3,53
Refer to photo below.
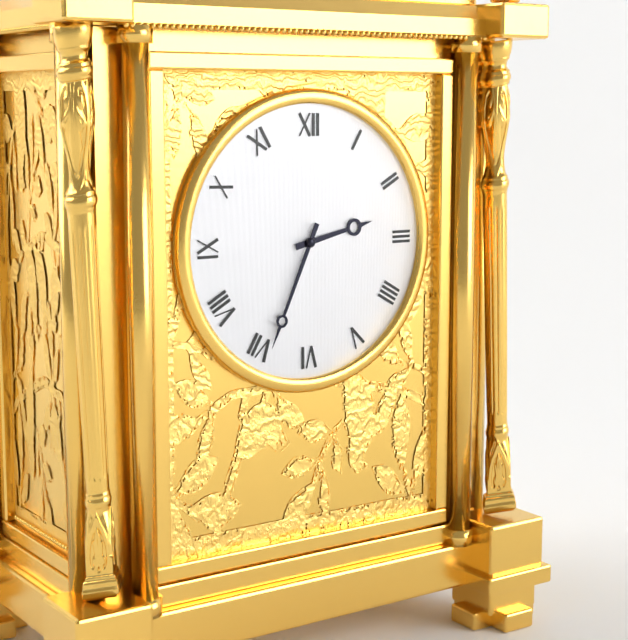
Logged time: 2,34
